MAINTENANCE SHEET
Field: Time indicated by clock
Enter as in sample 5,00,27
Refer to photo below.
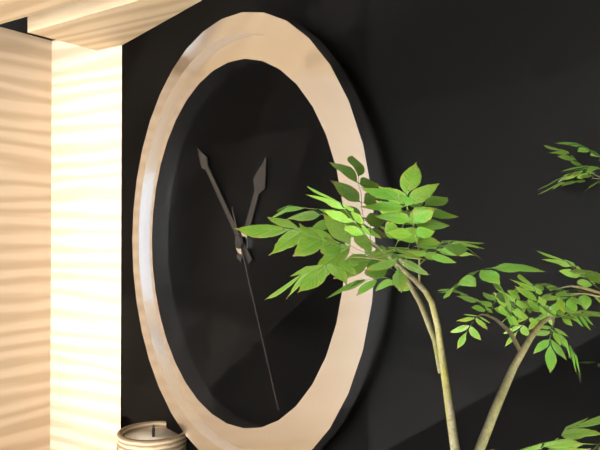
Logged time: 12,53,26
